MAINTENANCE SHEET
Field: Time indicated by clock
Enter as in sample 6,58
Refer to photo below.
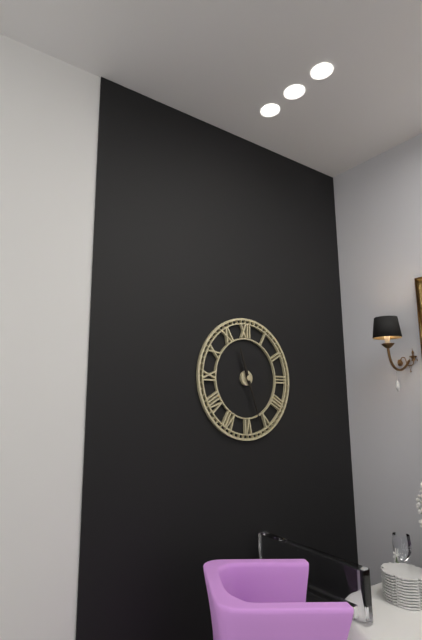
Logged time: 11,27
